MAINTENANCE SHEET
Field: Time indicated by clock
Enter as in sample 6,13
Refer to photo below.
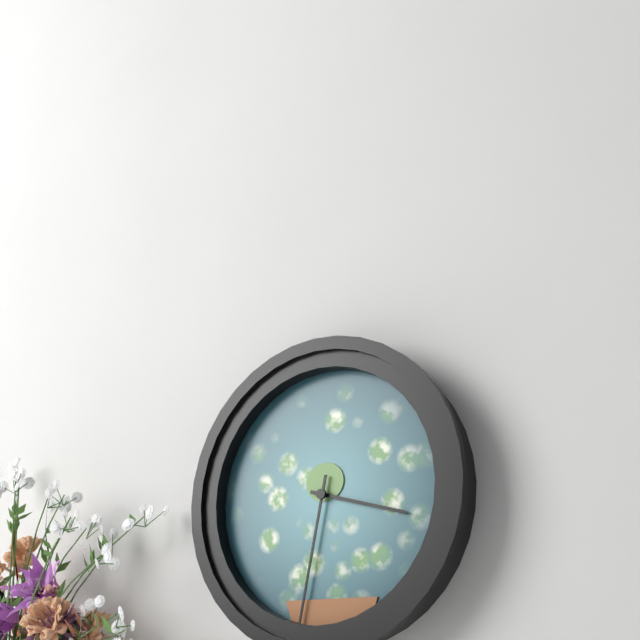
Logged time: 3,32
